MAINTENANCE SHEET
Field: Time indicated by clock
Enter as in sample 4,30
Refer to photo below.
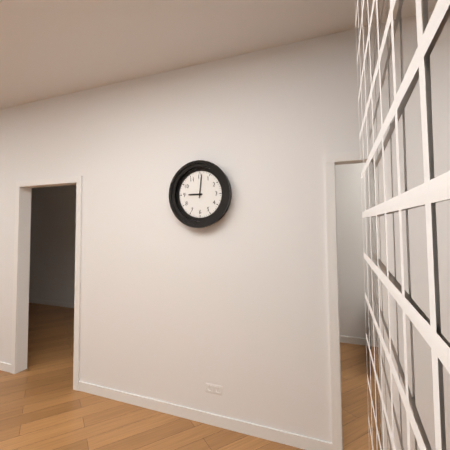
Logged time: 9,01
